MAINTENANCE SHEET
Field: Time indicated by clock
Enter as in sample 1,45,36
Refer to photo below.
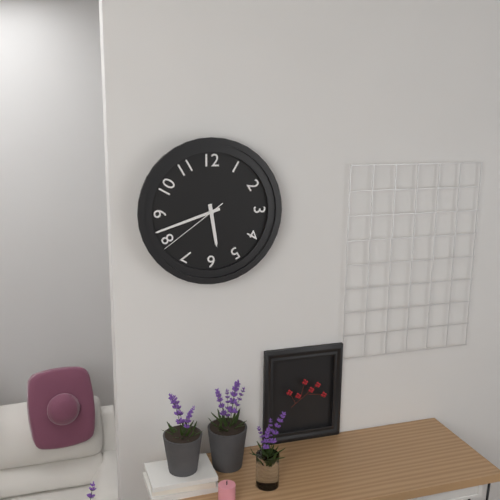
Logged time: 5,42,39
